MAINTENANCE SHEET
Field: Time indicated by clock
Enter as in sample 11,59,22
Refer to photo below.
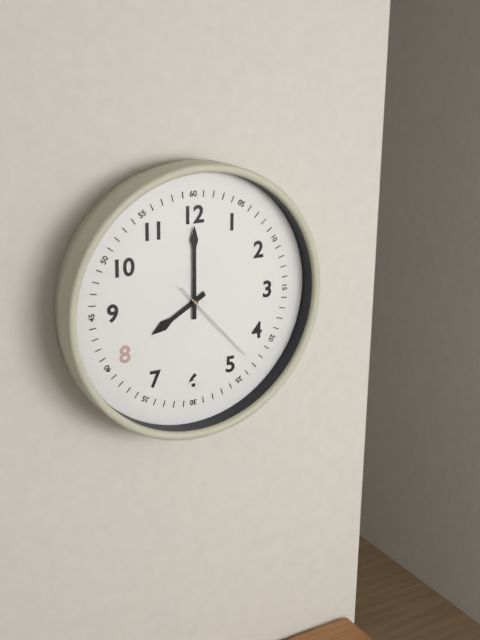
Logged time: 8,00,23
